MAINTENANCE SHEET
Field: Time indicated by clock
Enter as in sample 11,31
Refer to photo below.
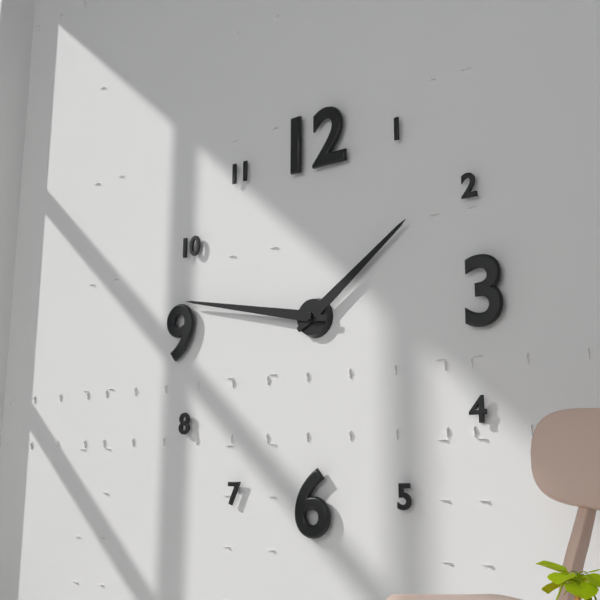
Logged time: 1,47
